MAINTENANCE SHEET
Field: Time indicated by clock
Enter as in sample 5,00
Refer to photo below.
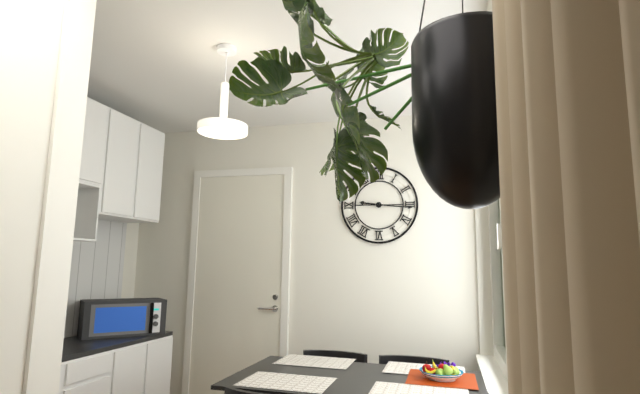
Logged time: 9,16
